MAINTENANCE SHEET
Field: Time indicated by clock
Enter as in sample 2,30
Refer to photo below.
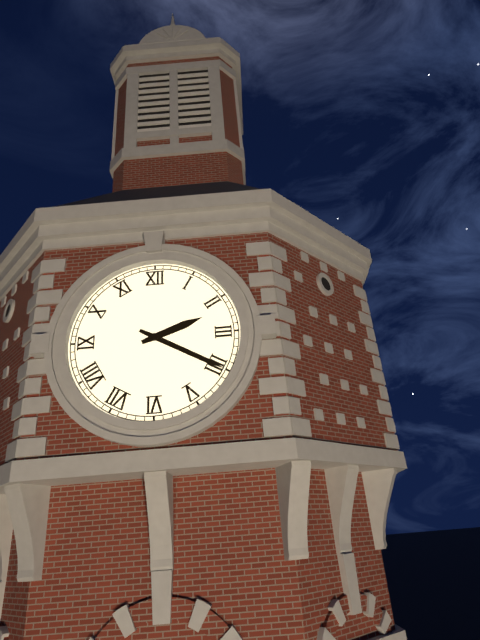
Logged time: 2,20
